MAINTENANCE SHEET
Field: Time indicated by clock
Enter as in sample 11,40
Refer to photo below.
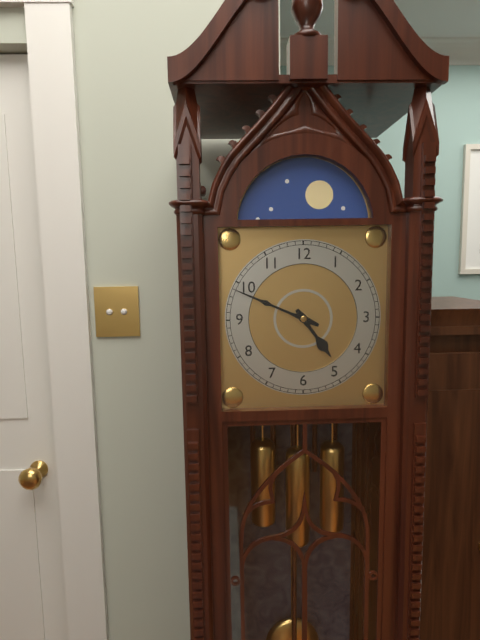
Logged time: 4,49
